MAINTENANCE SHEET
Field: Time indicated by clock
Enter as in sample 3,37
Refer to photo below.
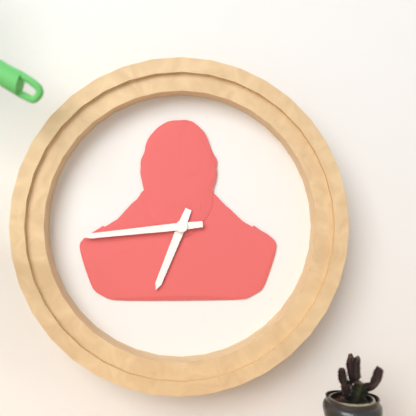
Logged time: 6,44
